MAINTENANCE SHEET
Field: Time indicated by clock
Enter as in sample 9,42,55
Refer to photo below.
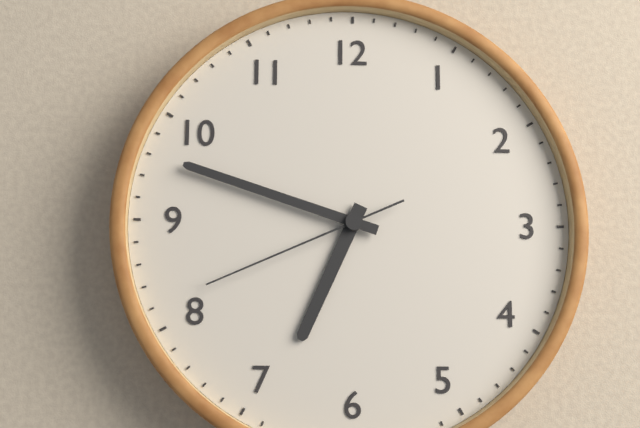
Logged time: 6,48,41
